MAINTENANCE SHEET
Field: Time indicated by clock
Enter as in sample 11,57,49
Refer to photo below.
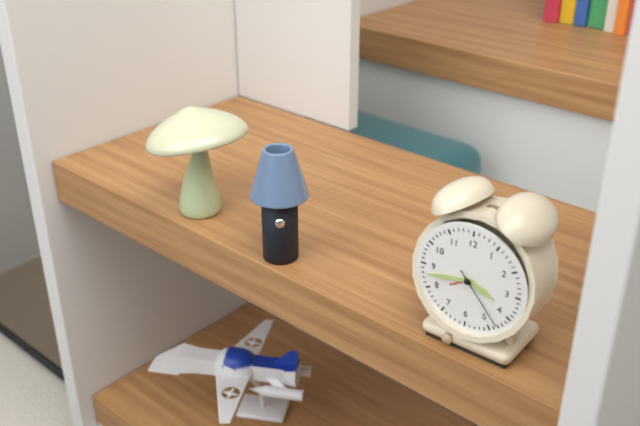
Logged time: 3,43,23
